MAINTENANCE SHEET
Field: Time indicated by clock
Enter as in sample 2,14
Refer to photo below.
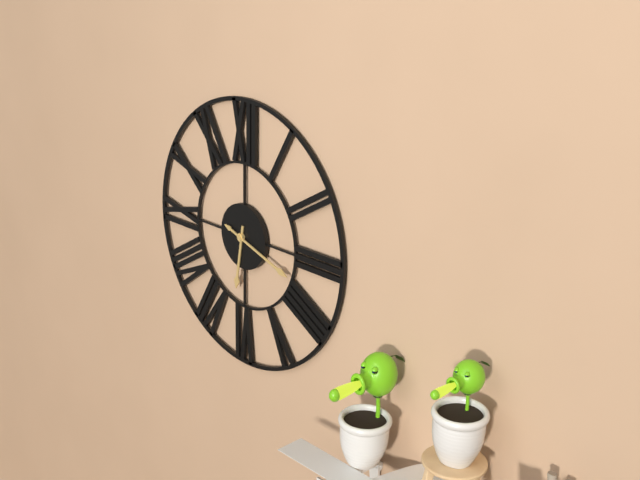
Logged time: 6,18
